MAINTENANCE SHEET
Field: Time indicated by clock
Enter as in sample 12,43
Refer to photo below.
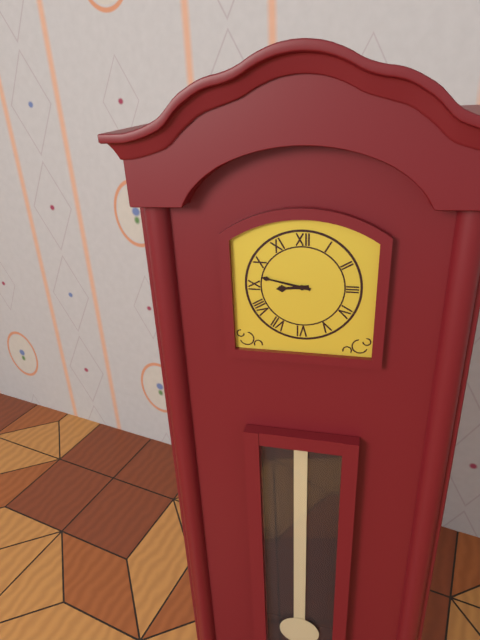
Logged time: 8,47
